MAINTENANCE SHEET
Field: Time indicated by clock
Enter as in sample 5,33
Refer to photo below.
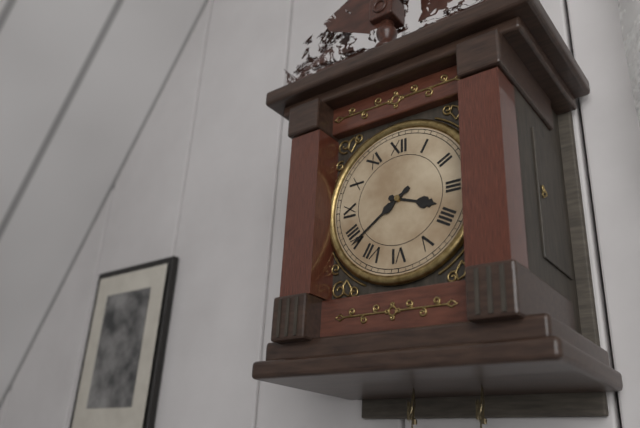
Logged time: 3,39
